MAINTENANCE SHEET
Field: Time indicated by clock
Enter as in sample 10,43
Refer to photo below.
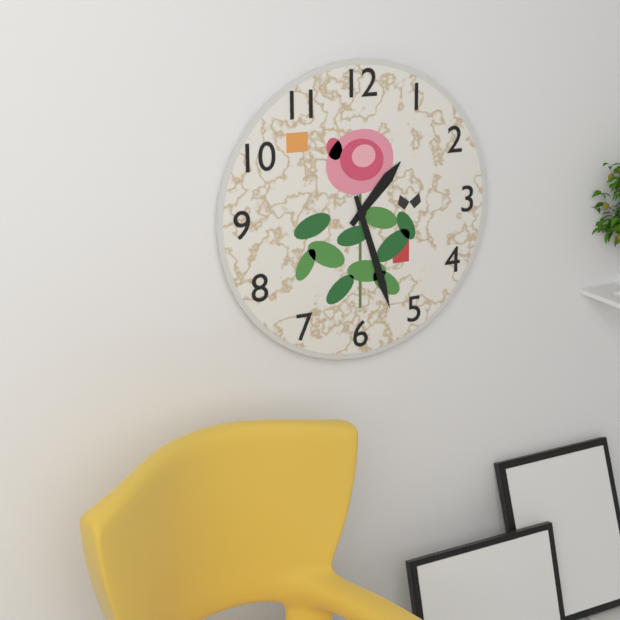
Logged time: 1,27
